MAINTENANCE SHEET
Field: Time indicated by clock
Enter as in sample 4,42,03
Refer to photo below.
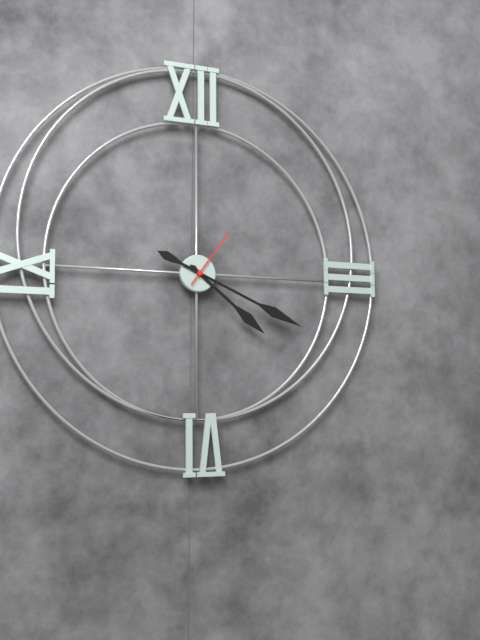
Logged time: 4,19,06
